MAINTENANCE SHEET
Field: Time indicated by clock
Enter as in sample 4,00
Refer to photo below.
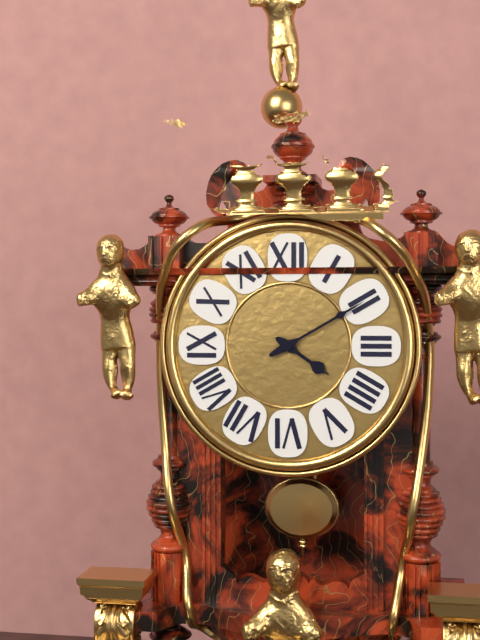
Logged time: 4,10
